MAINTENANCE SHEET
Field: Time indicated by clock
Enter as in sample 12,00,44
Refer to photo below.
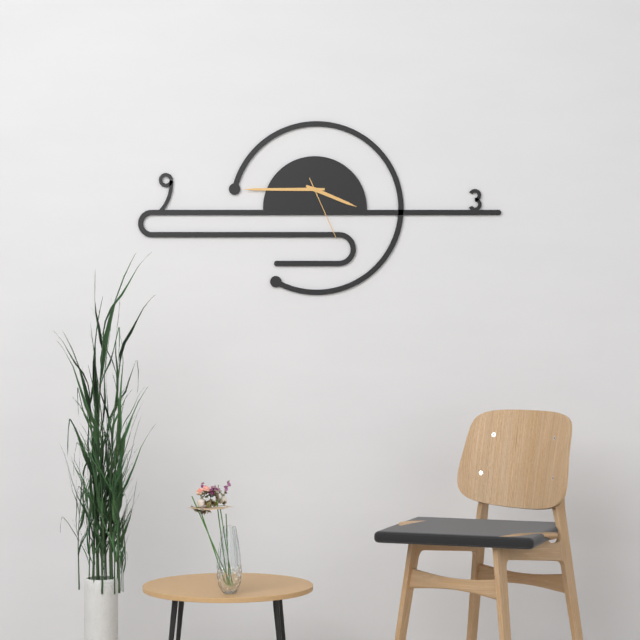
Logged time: 3,45,26
